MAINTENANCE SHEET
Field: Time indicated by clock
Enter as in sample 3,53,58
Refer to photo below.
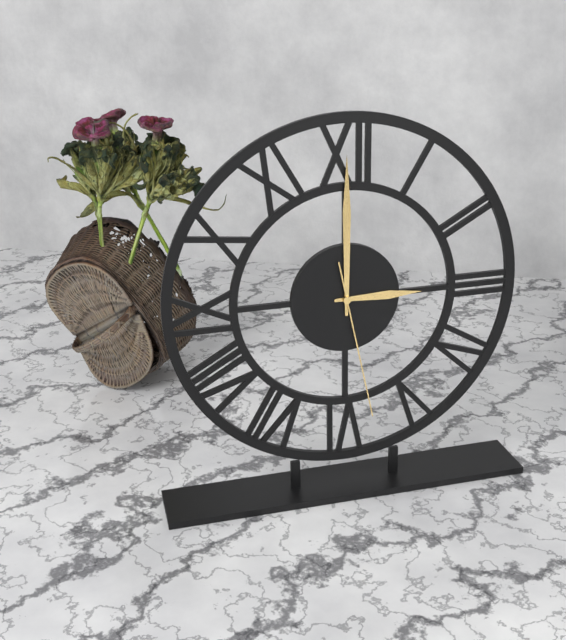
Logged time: 3,00,28
